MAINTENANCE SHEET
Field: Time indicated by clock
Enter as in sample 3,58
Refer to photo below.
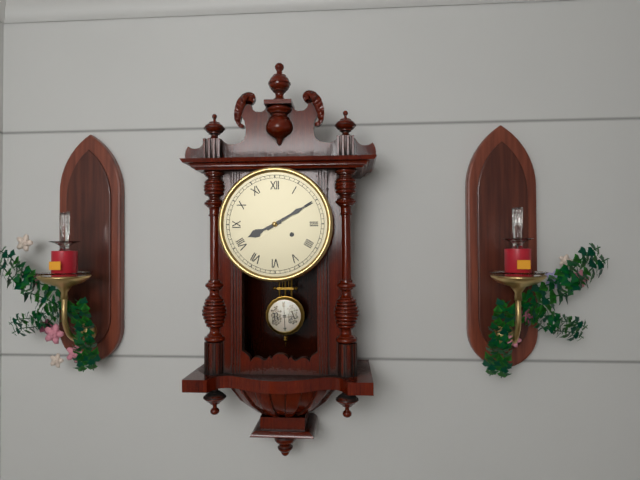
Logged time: 8,10
